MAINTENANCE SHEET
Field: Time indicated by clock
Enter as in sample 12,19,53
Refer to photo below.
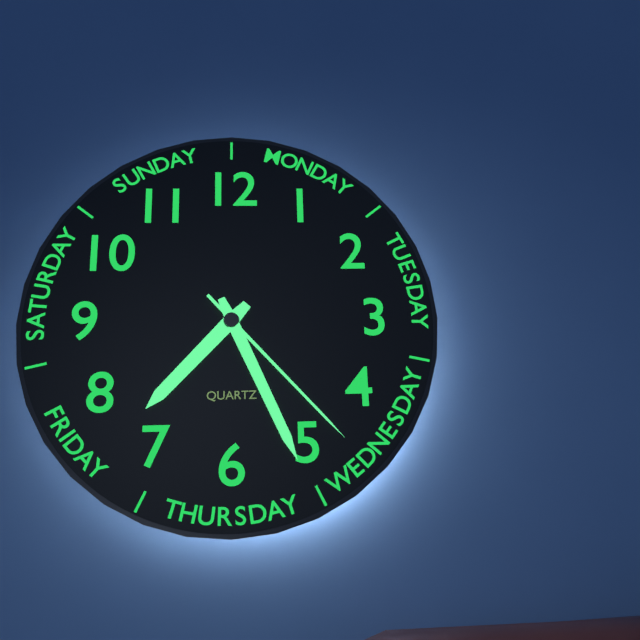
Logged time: 7,26,23
